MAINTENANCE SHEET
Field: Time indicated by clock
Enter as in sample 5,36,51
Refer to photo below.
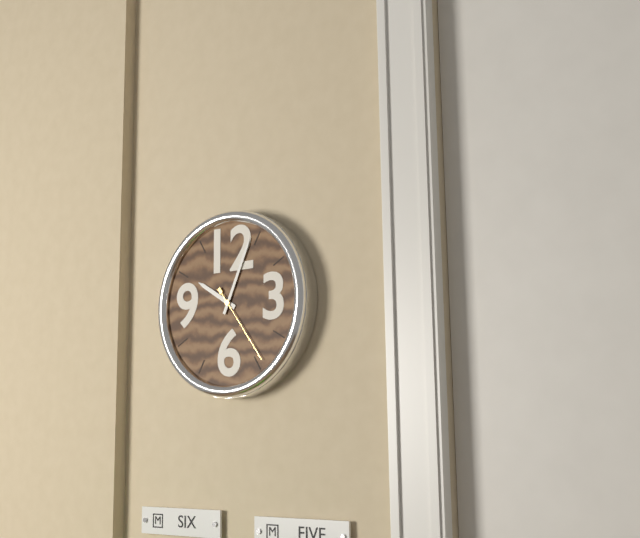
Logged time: 10,04,24
